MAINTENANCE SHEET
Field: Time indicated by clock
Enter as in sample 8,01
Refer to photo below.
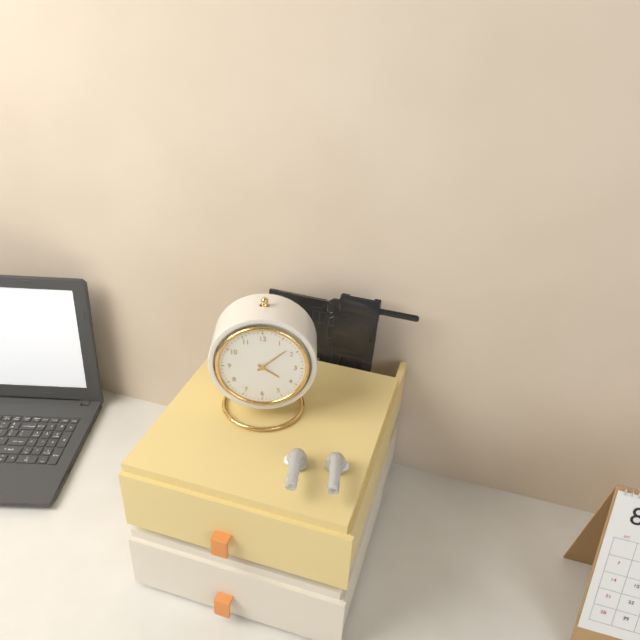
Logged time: 4,08
